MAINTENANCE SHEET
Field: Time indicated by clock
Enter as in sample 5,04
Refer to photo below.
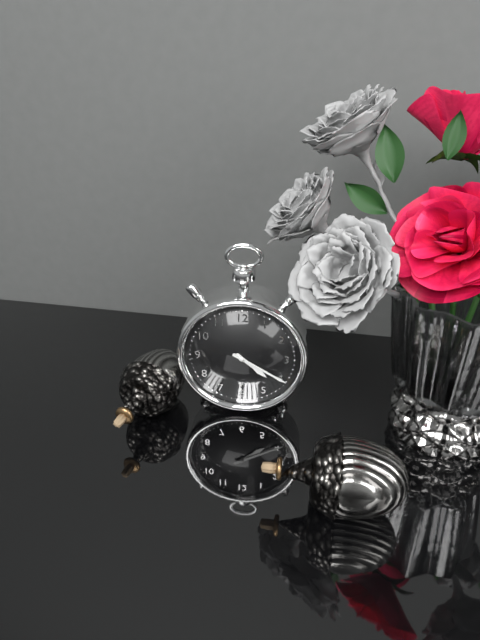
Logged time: 4,20
